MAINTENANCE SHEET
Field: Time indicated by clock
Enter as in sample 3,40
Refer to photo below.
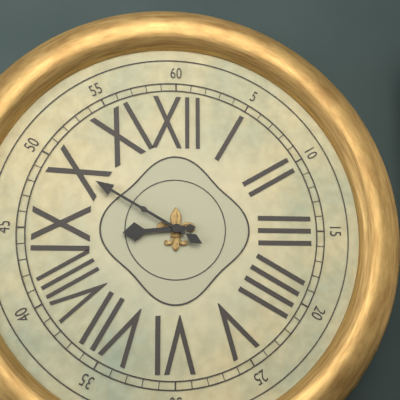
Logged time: 8,50
